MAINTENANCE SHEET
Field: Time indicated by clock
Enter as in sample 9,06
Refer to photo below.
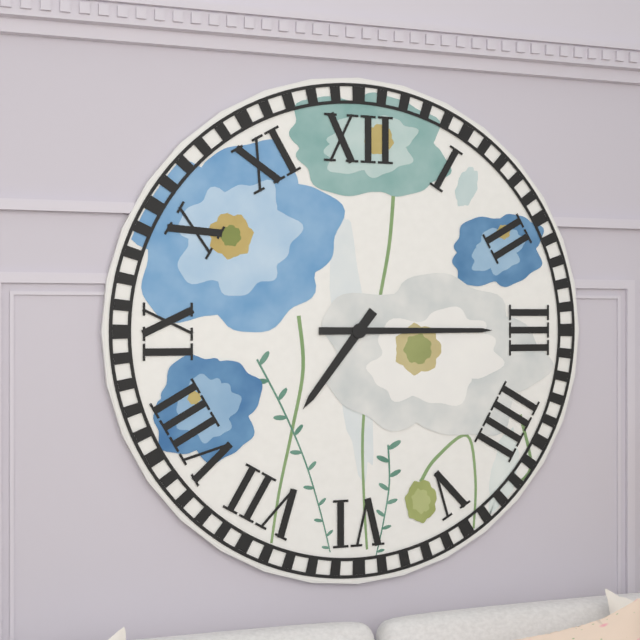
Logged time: 7,15
